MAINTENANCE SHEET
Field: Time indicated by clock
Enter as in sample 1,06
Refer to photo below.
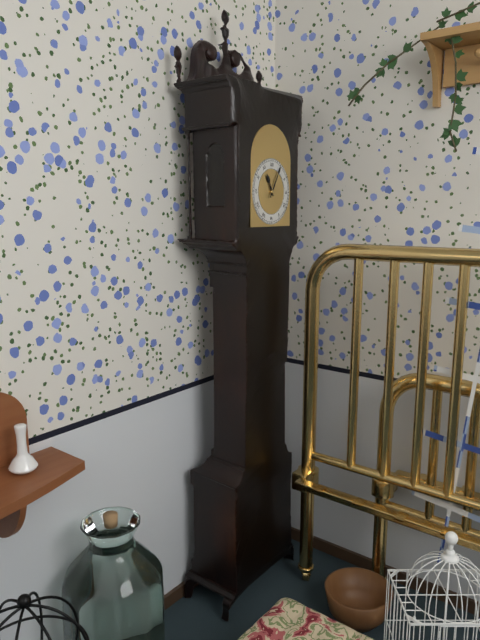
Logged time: 11,05
